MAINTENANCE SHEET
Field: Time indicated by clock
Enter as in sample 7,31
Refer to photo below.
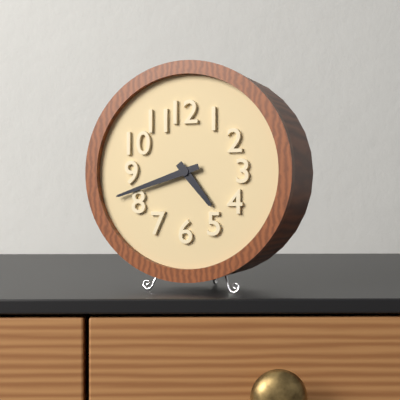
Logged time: 4,42
